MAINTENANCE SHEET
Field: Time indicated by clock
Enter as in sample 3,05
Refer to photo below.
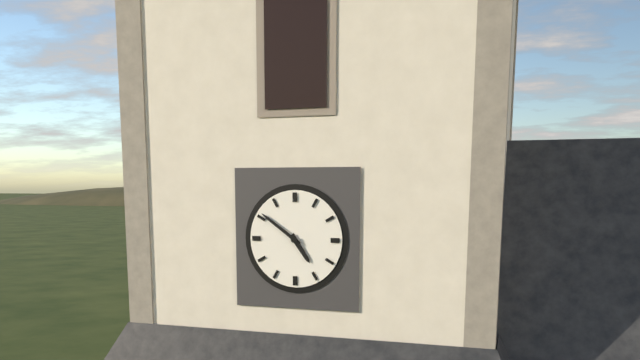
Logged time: 4,51
